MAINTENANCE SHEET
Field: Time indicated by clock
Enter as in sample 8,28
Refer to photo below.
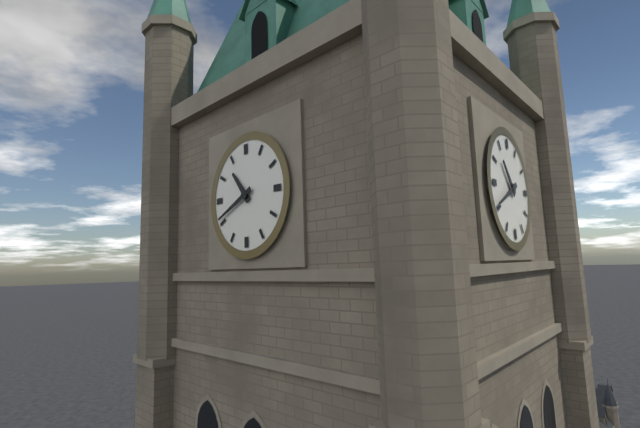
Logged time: 10,41
